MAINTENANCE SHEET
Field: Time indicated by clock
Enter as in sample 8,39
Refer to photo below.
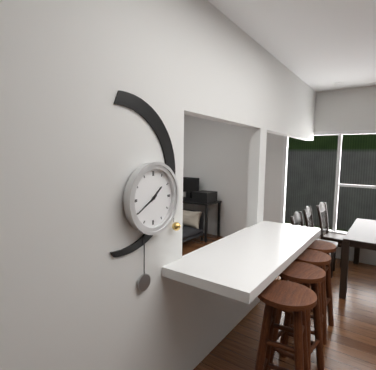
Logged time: 1,40
